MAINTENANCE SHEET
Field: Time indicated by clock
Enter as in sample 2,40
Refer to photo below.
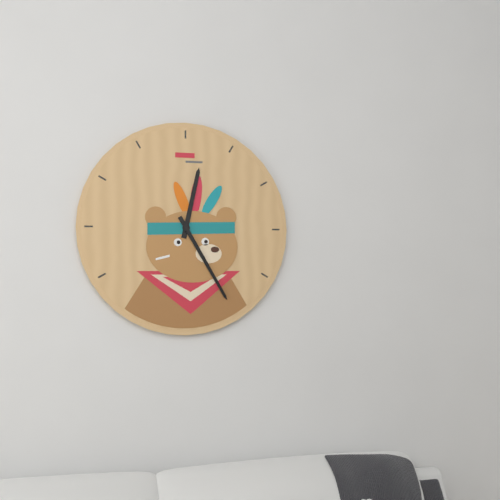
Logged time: 12,25
